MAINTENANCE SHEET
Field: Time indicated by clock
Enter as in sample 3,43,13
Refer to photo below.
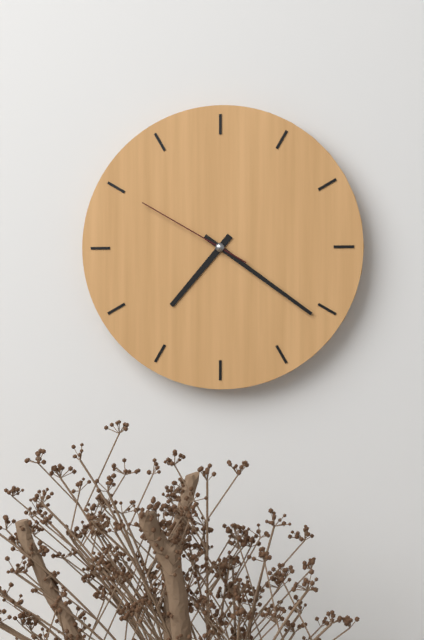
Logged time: 7,21,50
